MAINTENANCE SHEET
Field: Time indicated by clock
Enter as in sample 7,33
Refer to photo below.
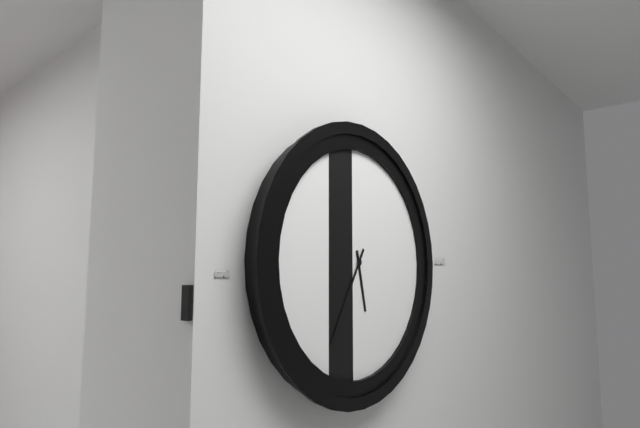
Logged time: 5,35
